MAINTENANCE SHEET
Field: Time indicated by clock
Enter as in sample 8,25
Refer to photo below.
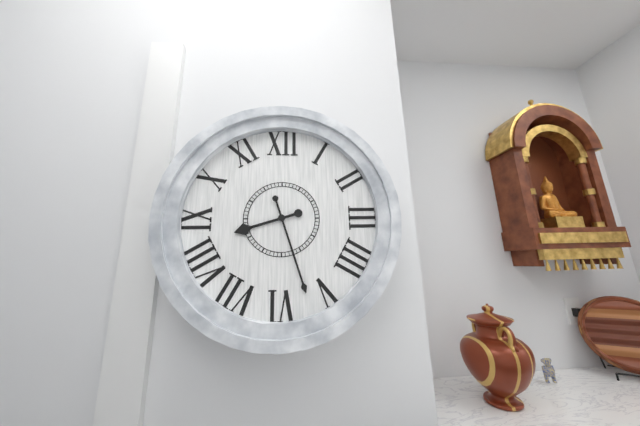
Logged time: 8,27
